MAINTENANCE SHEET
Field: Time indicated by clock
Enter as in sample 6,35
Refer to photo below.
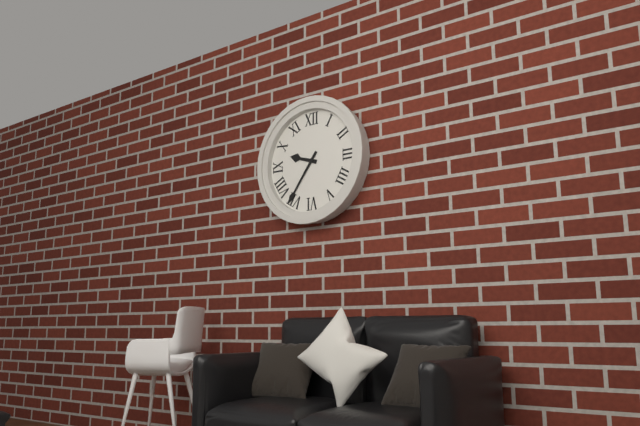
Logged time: 9,36
